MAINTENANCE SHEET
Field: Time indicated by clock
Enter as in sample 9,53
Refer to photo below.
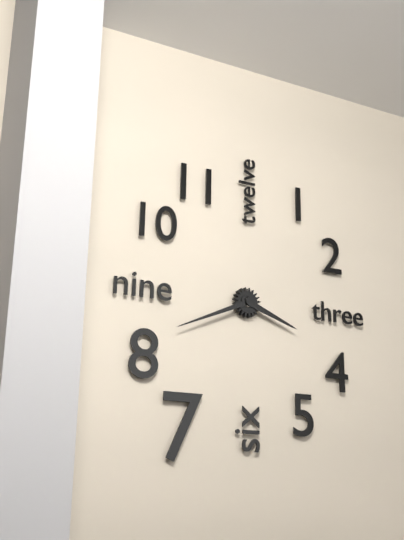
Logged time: 3,41
